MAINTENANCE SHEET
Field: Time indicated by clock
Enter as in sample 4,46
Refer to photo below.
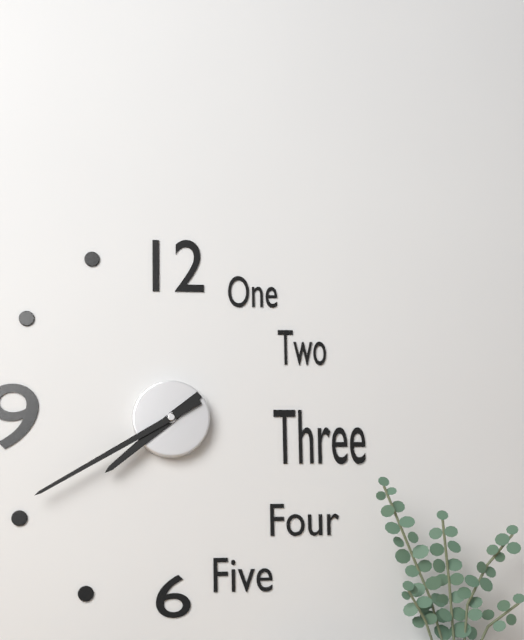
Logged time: 7,40
